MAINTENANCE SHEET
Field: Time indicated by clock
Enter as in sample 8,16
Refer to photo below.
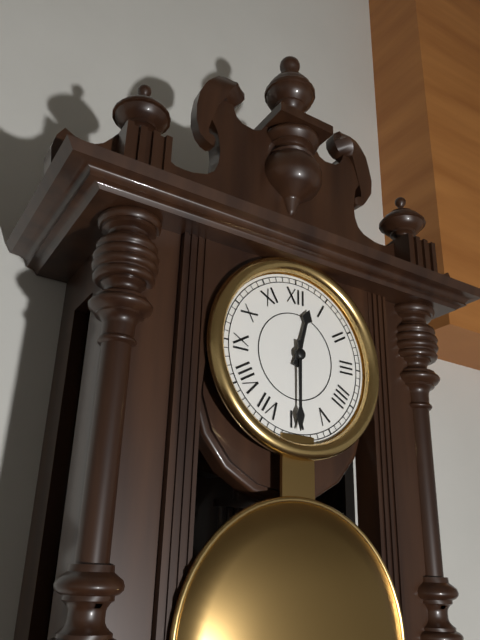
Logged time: 12,30
